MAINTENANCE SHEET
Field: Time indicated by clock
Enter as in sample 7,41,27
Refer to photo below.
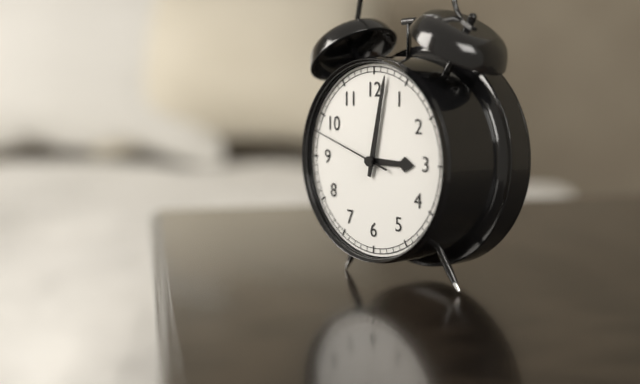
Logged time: 3,02,48
